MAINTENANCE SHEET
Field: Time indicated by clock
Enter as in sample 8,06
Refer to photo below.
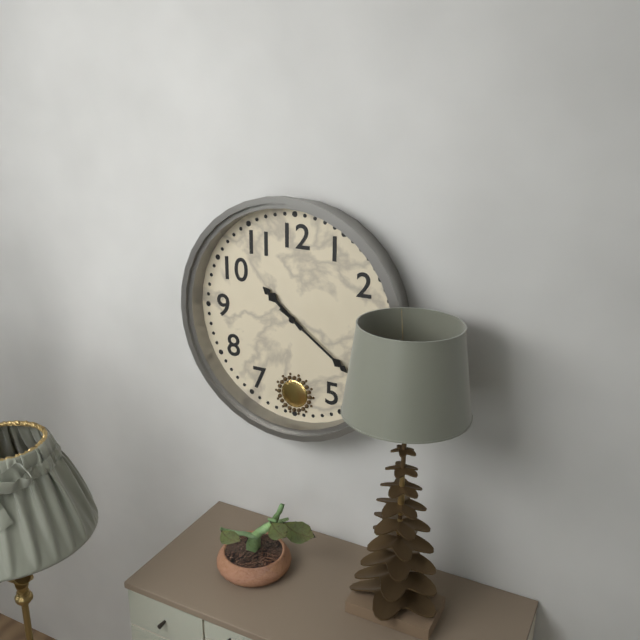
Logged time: 10,21
